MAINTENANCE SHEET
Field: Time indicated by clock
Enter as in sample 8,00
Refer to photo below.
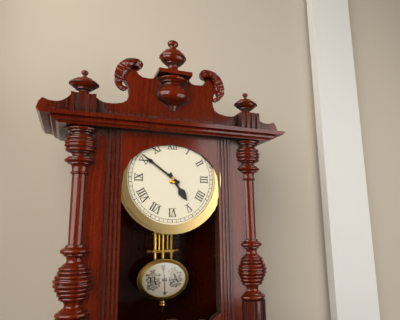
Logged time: 4,51
